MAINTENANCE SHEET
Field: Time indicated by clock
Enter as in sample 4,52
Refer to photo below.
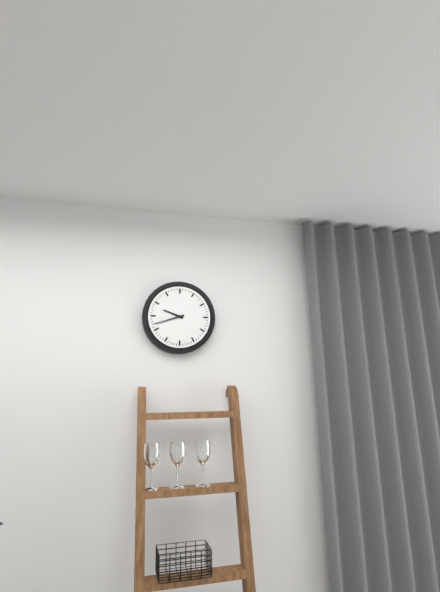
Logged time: 9,42
